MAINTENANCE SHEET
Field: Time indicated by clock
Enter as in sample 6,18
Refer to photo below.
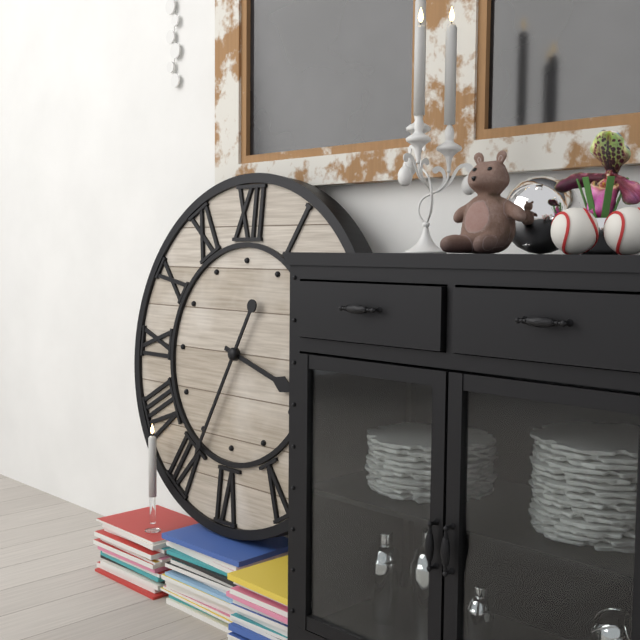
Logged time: 3,34
